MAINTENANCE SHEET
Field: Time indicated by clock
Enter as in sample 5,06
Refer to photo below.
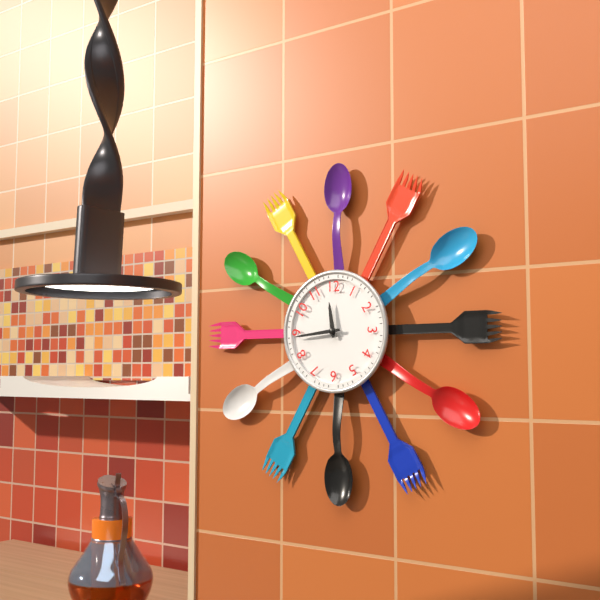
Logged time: 11,44
